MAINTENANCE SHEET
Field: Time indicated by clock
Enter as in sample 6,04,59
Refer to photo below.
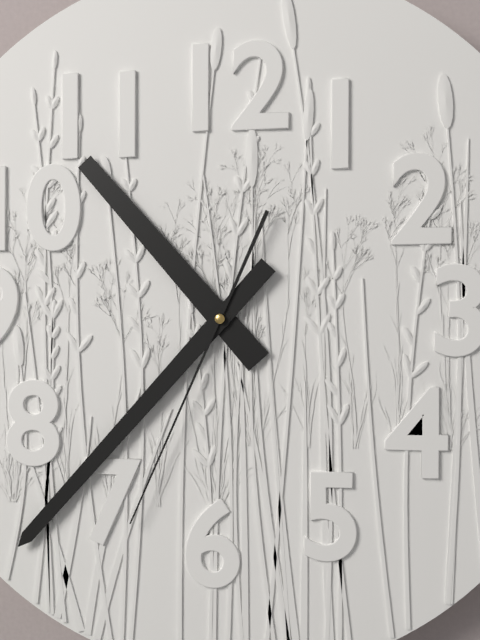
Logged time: 10,37,34
